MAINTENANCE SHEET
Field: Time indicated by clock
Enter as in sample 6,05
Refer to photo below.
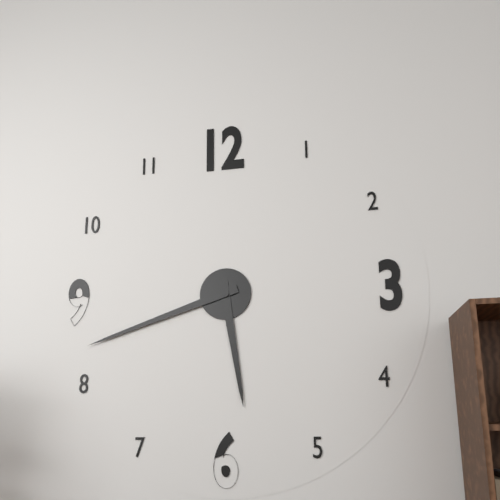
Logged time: 5,42
